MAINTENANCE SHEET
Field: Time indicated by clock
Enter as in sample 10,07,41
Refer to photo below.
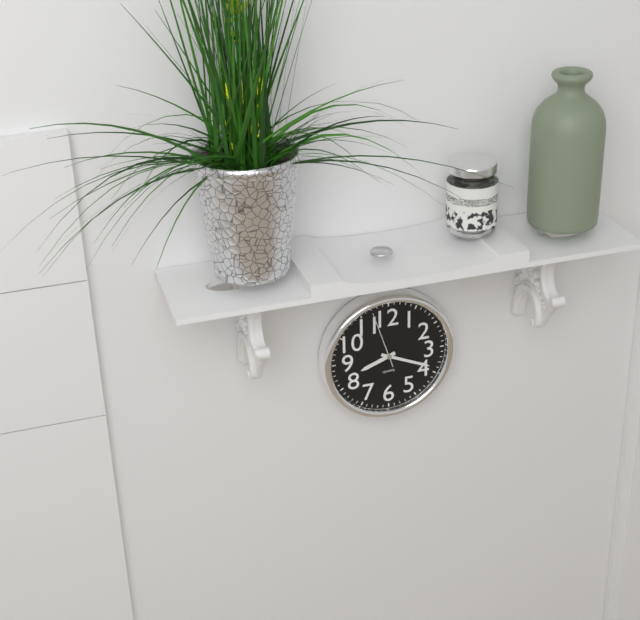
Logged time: 8,19,57
